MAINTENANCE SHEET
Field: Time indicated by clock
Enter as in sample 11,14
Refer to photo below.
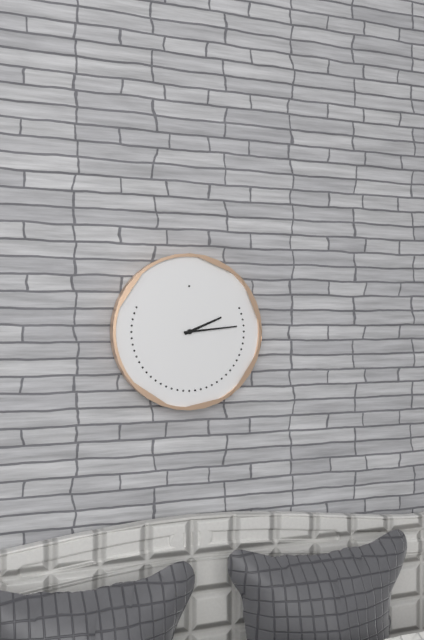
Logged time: 2,14
